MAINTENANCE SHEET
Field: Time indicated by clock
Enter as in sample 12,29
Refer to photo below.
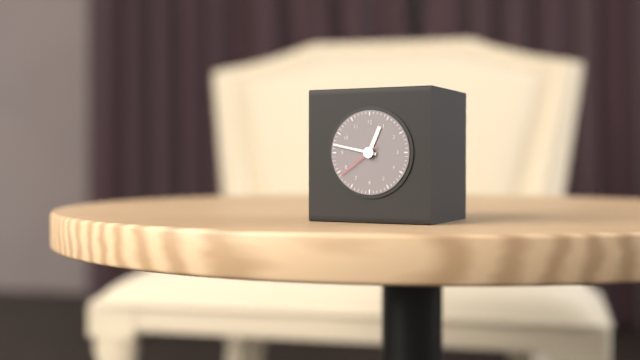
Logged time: 12,47
